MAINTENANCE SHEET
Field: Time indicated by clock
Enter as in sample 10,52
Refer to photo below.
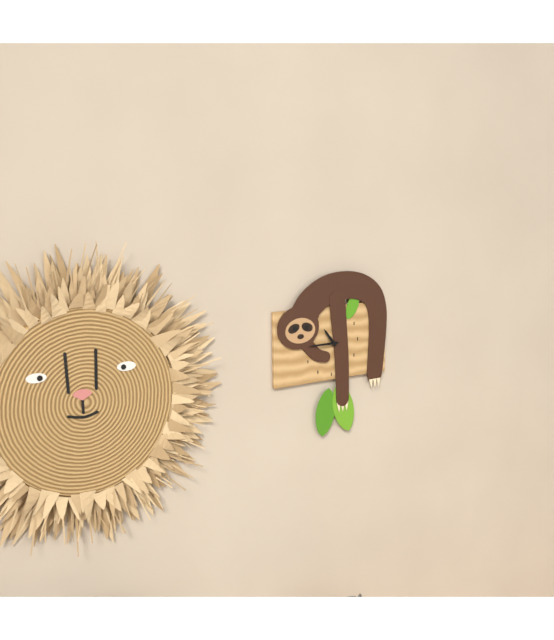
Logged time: 10,45
